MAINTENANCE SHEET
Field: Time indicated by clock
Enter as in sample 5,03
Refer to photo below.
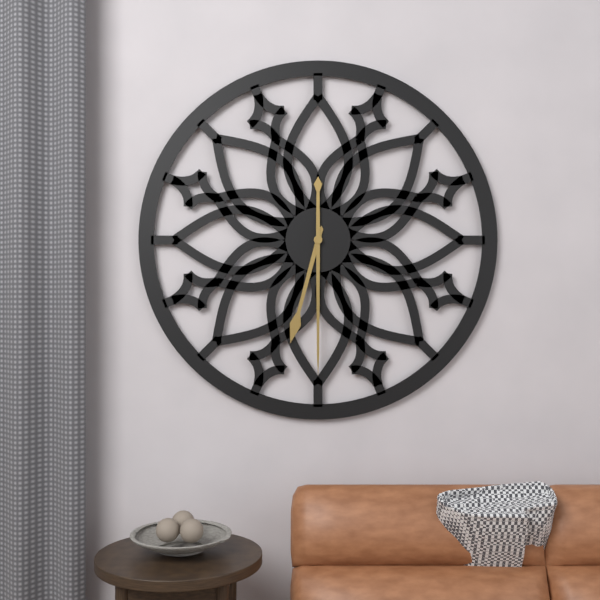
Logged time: 6,30
